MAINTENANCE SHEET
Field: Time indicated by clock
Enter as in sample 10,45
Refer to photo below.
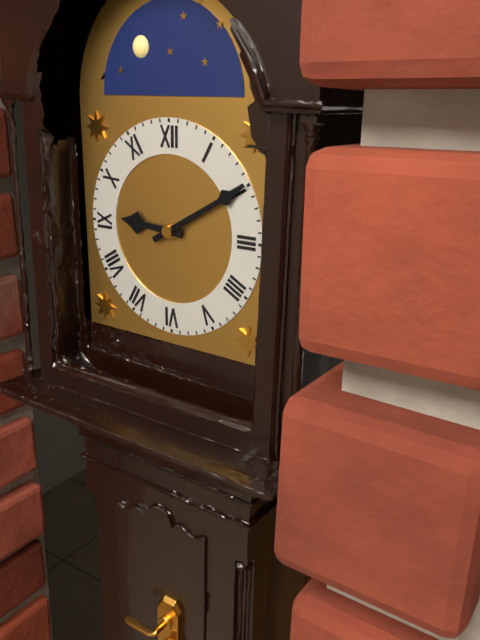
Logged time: 9,10
